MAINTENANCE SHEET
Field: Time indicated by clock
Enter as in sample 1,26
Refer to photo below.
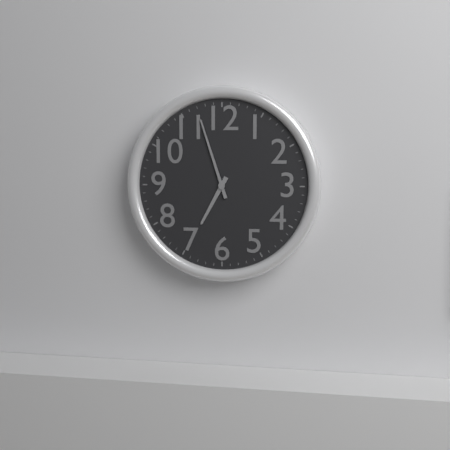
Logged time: 6,57
